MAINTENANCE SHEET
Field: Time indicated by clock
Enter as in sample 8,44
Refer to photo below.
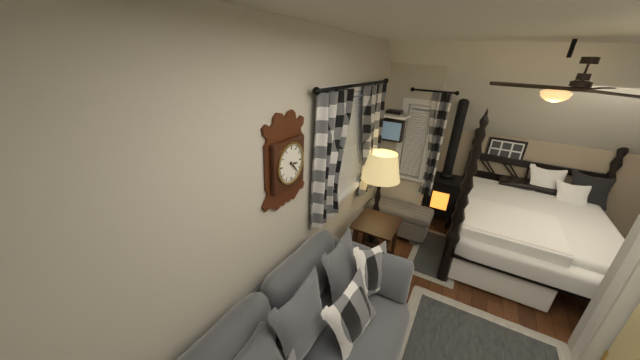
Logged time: 3,23
